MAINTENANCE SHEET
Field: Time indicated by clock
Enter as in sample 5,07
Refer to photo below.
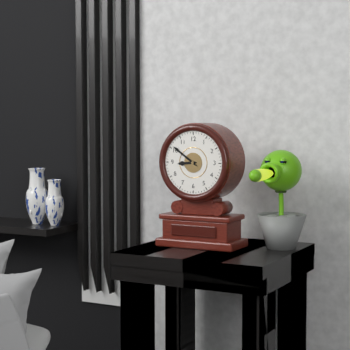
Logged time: 8,51
